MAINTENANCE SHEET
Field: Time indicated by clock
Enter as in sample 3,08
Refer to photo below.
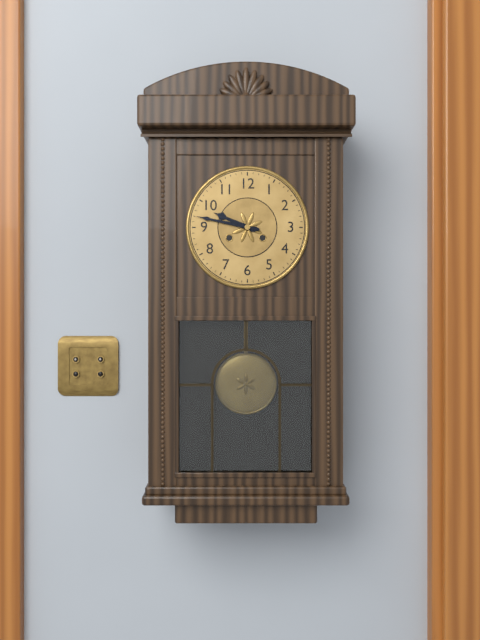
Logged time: 9,47
